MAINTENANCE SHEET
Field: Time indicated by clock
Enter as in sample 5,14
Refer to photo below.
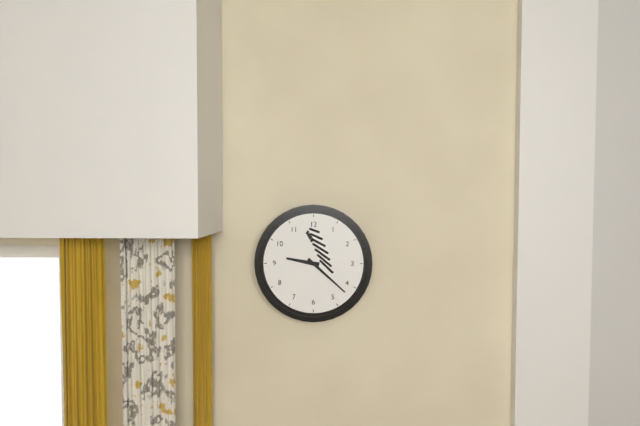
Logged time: 9,22
